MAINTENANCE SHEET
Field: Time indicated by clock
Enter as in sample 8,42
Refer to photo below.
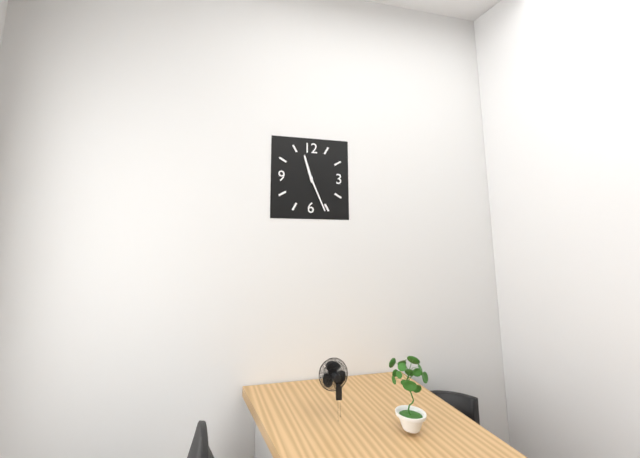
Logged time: 11,26
